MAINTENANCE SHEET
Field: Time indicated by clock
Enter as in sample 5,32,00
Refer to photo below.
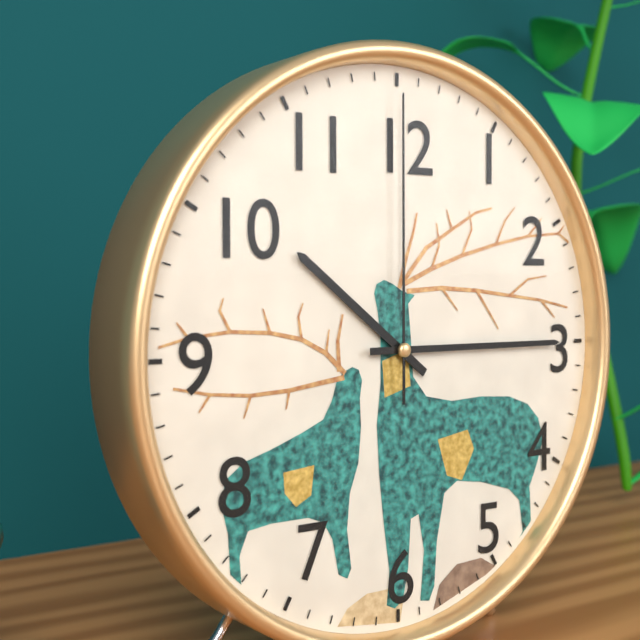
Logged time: 10,15,00
